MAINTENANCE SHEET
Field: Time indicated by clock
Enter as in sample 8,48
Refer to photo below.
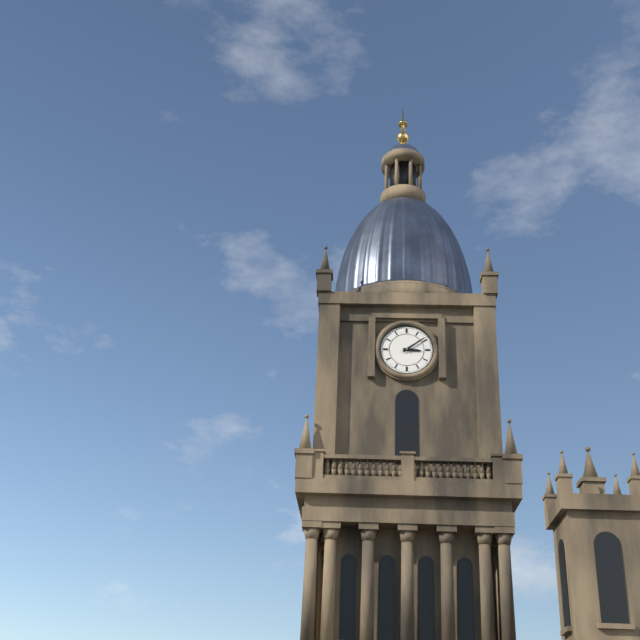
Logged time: 3,09
